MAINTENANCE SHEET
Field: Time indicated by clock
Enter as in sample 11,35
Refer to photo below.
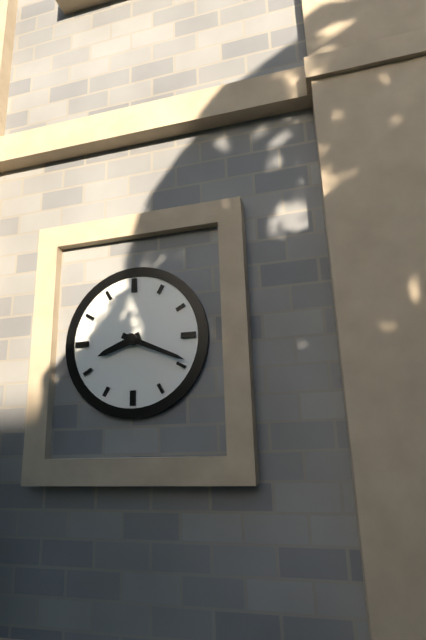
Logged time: 8,19
